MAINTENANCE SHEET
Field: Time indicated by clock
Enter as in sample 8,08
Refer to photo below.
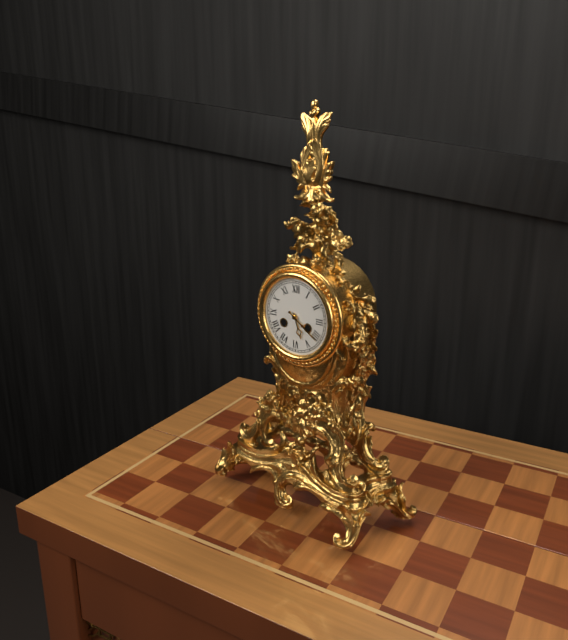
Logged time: 5,21
